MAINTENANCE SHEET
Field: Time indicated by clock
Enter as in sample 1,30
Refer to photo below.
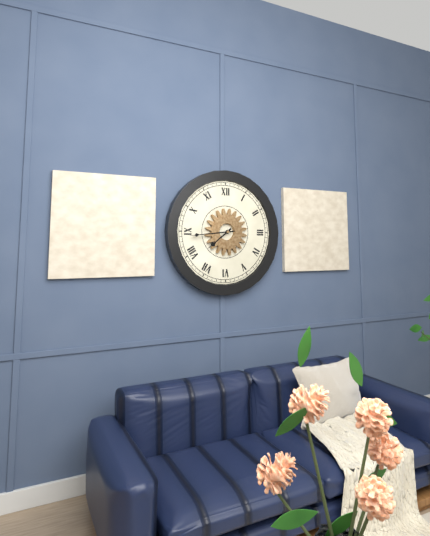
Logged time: 7,44
